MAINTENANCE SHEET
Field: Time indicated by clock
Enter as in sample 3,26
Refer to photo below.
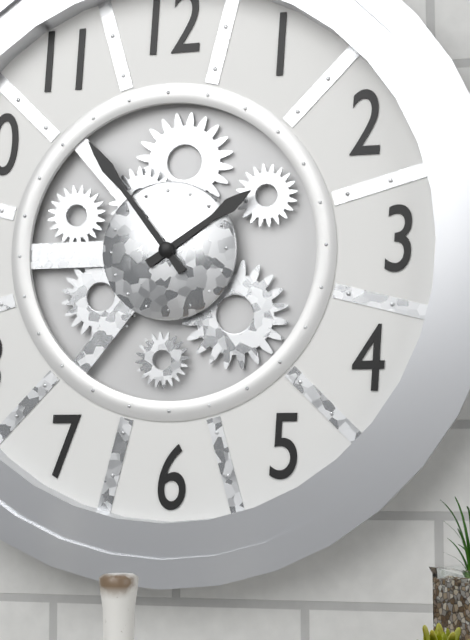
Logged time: 1,54
